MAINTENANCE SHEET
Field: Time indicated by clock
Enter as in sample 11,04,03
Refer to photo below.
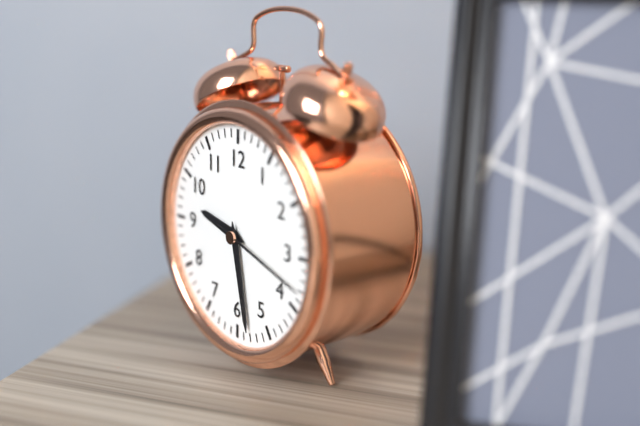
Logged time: 9,28,18
